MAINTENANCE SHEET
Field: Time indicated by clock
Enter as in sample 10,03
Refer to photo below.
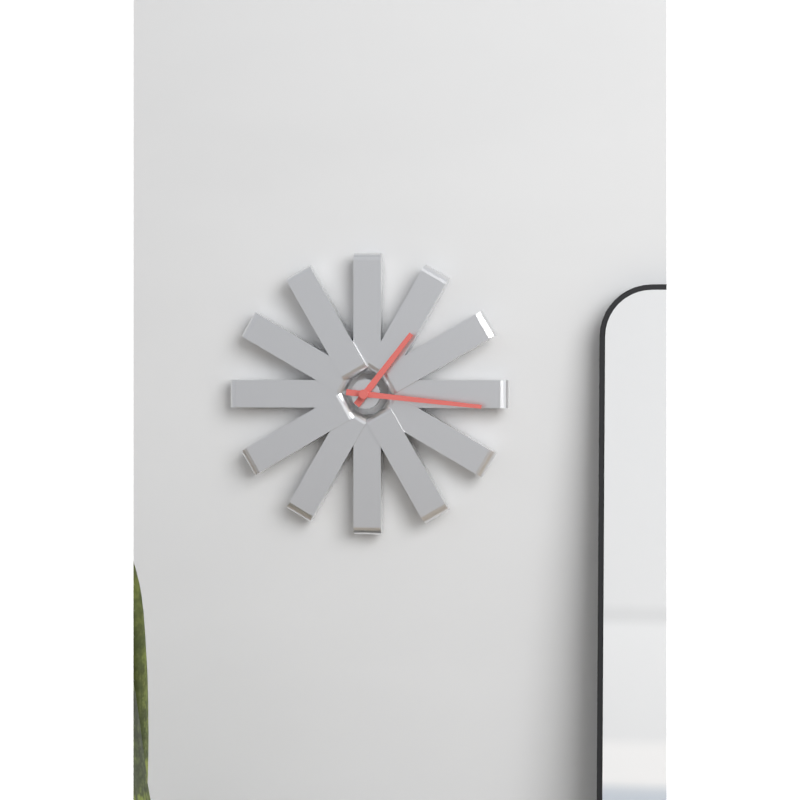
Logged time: 1,16
